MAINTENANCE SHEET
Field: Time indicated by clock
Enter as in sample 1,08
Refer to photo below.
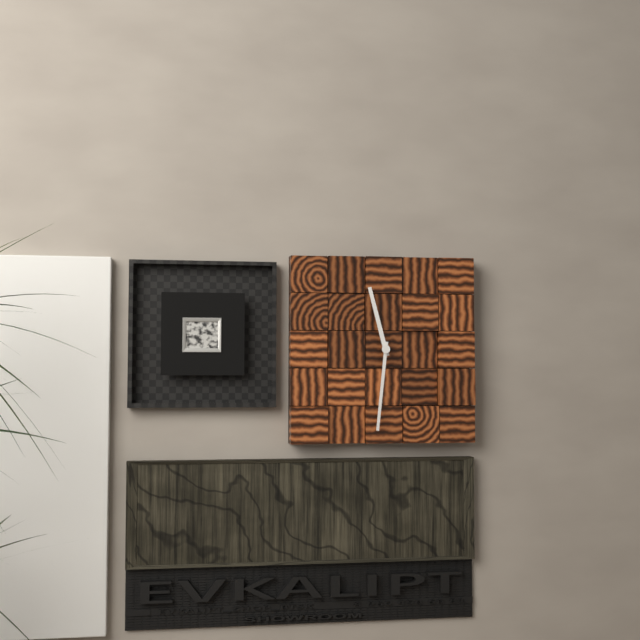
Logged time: 11,31
